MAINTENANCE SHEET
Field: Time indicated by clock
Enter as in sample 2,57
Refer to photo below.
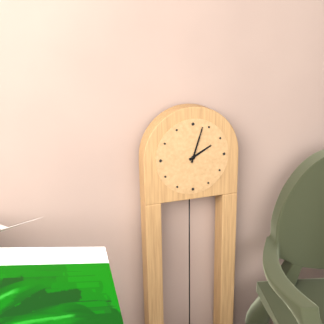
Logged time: 2,03
